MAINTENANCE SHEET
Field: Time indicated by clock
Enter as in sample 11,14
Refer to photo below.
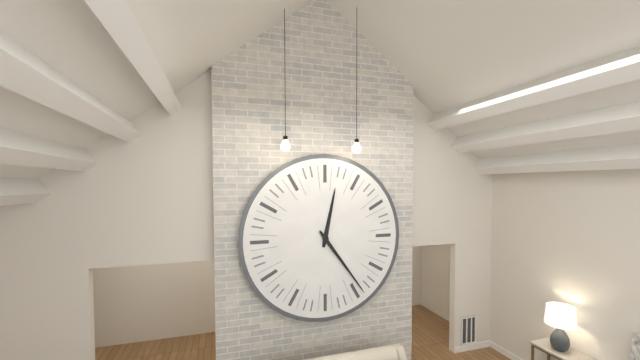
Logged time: 12,24
